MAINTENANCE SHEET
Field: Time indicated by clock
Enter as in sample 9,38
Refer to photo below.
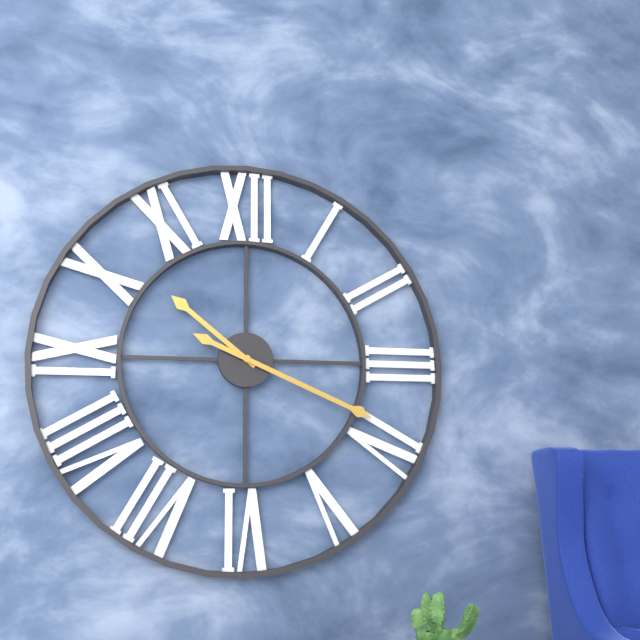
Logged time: 10,19
